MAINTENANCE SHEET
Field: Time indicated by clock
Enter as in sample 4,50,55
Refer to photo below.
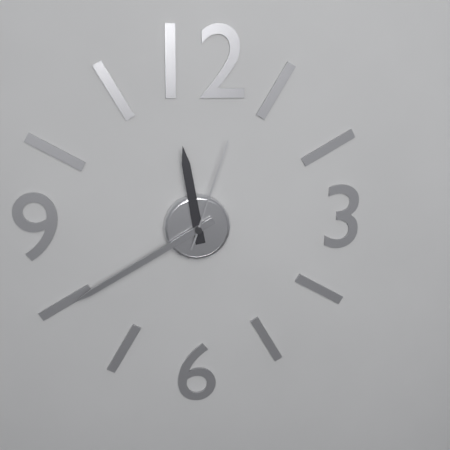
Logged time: 11,40,03
